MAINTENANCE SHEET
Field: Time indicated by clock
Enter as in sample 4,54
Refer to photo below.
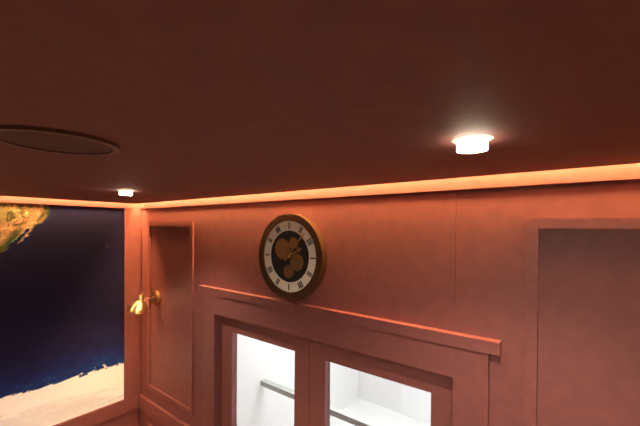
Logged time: 2,07
